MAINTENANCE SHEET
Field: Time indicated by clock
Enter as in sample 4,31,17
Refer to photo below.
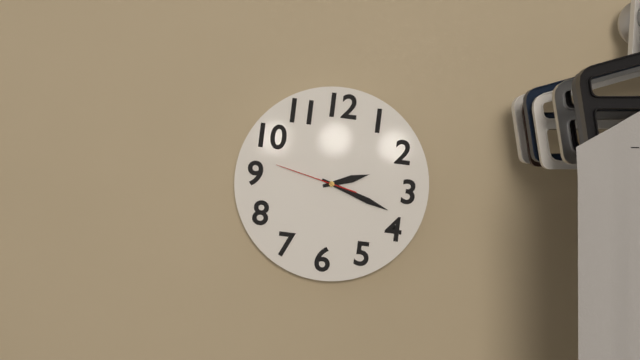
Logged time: 2,18,47
